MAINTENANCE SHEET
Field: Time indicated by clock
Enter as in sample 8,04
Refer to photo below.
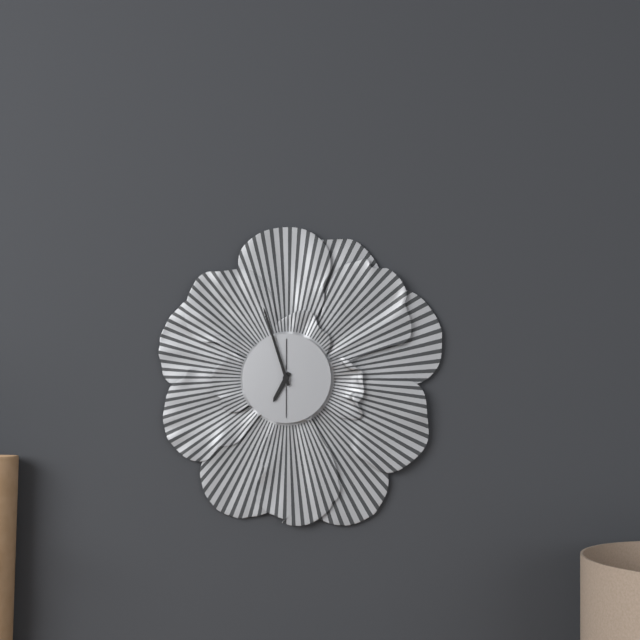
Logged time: 6,57
